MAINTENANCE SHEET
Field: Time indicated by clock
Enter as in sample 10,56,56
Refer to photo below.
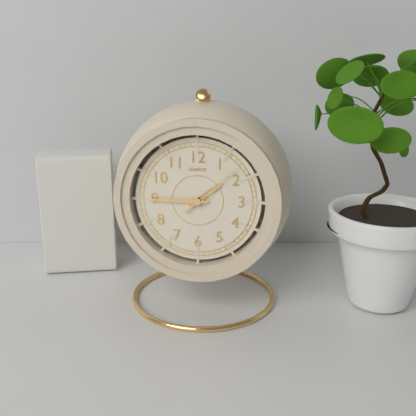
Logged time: 1,45,08
